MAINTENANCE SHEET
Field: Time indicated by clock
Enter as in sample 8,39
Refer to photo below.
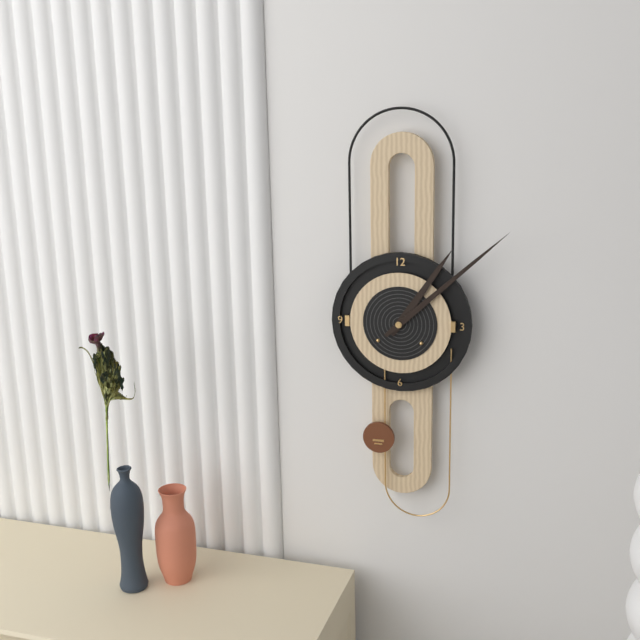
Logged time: 1,08
